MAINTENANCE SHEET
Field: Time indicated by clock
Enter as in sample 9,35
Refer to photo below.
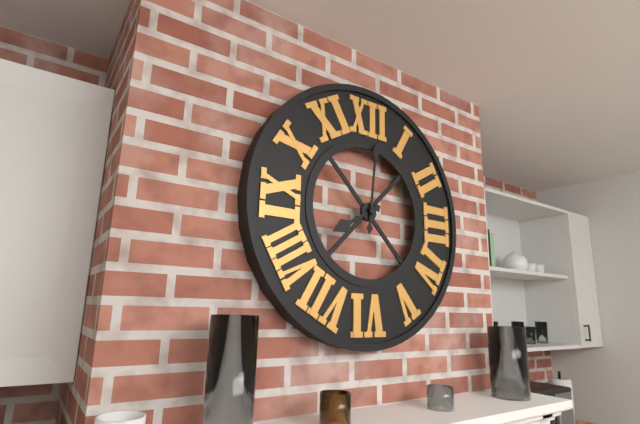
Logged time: 8,01
